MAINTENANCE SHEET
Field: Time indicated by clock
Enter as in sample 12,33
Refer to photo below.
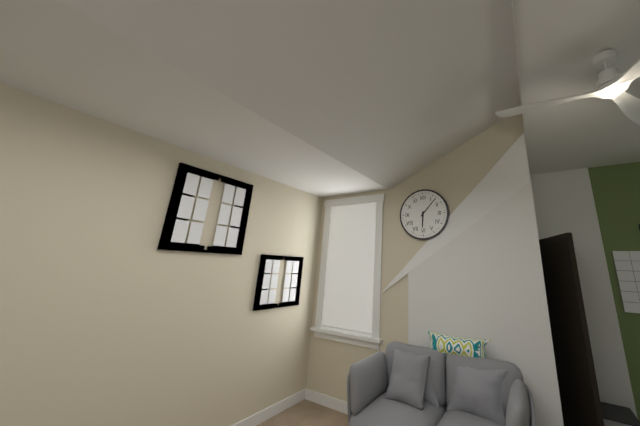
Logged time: 6,07
